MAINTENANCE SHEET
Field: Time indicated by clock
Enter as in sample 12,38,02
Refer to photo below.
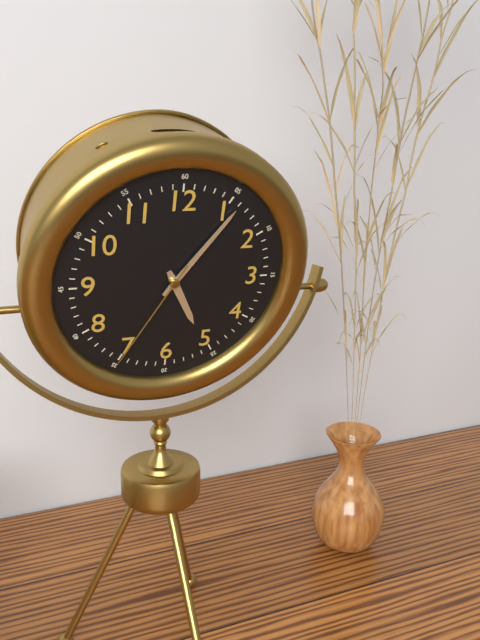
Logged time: 5,06,35
